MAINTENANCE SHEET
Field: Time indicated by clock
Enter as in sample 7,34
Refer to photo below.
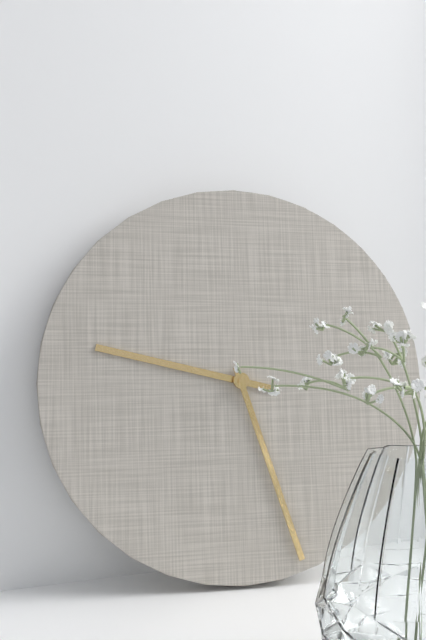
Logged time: 9,27
